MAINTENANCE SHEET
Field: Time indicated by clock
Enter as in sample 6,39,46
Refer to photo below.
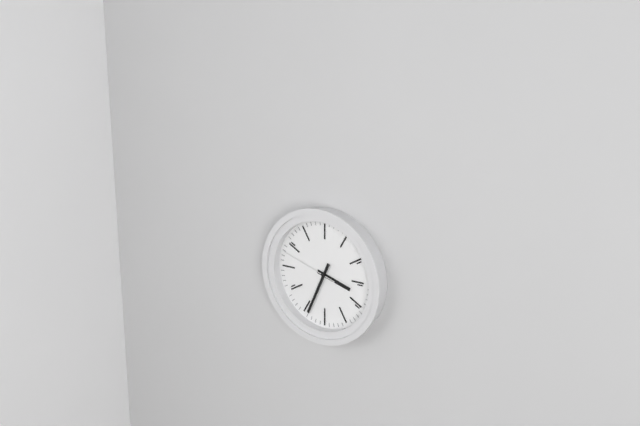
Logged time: 3,34,48
